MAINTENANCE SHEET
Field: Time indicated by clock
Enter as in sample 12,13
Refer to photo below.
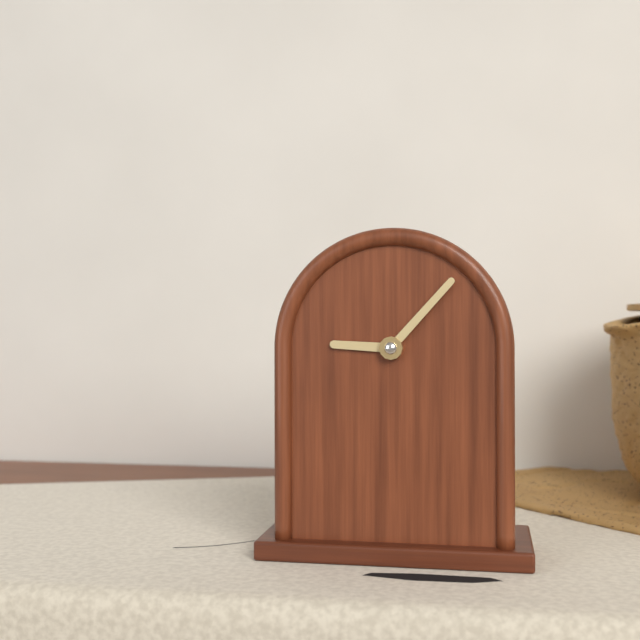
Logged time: 9,07
